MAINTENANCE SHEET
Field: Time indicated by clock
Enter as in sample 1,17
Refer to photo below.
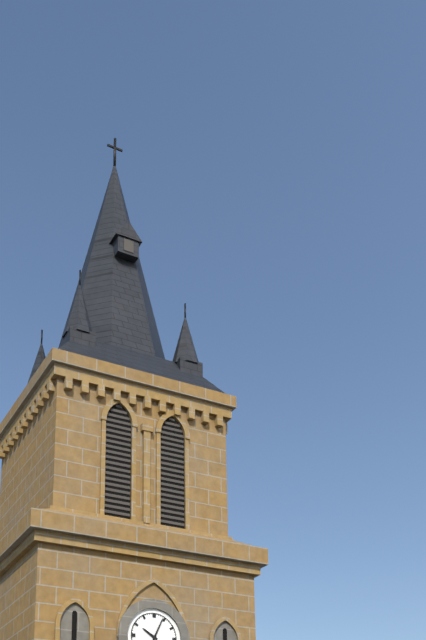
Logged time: 10,04
